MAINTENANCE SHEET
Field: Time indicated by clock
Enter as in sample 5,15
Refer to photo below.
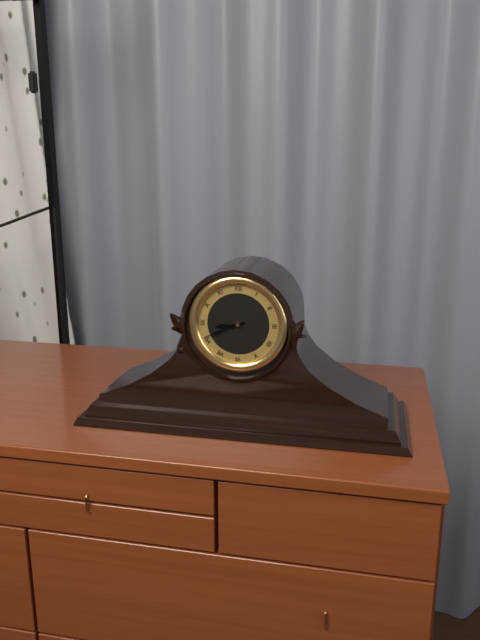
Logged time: 8,41
